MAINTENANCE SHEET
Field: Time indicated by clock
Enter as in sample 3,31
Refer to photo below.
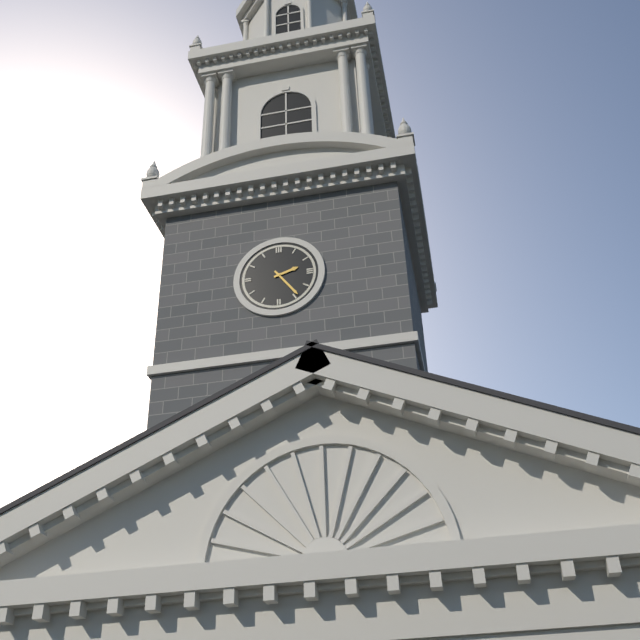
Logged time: 2,24
